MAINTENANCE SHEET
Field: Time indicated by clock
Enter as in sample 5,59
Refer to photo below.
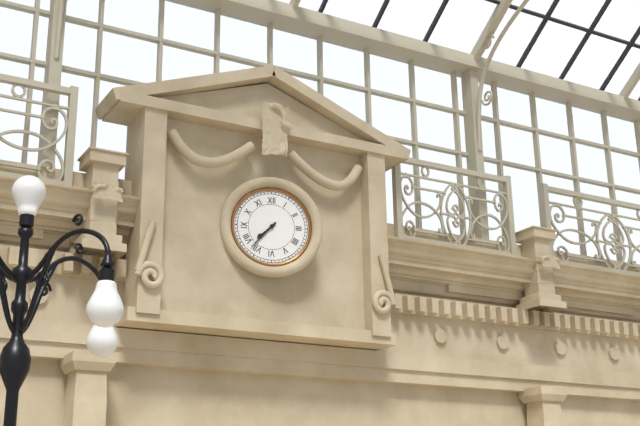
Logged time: 7,37
